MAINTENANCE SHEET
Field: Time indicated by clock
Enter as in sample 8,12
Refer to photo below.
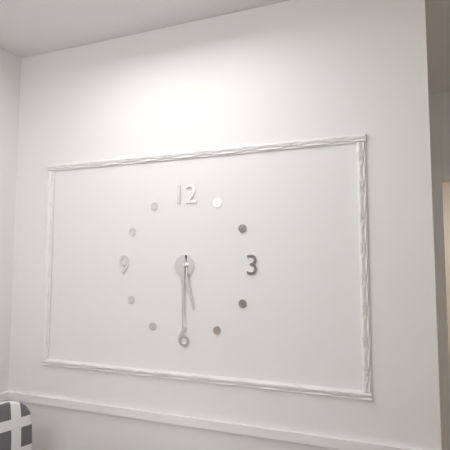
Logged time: 5,30
